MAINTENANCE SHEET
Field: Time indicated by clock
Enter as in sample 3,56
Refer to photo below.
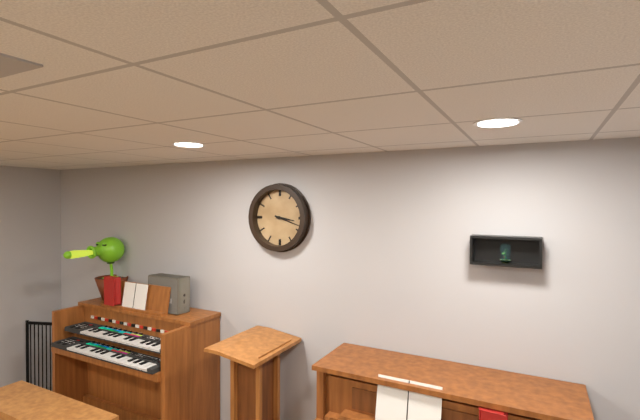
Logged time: 3,18
